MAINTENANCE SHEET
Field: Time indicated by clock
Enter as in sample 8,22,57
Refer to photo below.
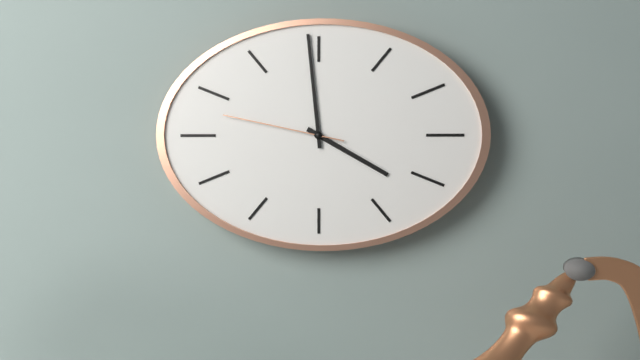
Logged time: 3,59,47
